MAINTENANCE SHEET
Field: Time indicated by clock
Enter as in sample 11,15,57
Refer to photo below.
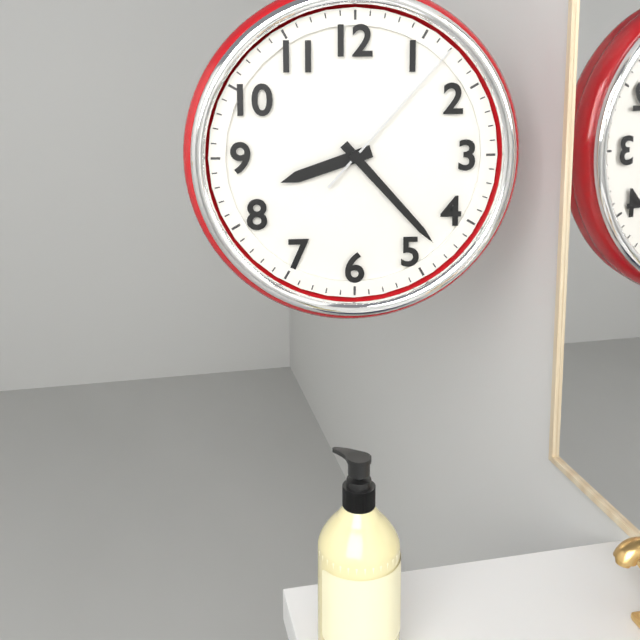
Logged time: 8,23,07
